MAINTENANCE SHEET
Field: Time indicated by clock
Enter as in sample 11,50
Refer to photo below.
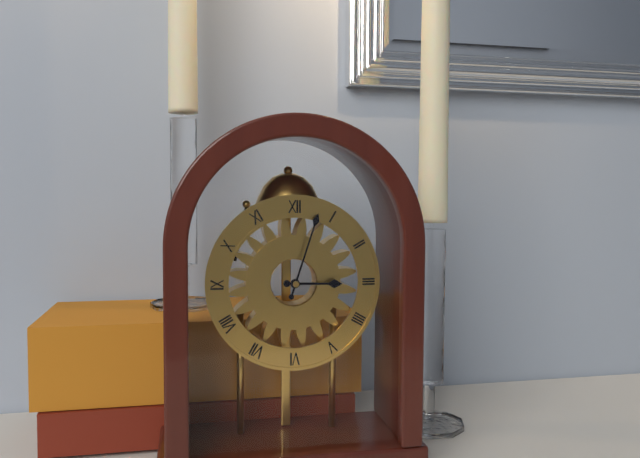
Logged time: 3,03
